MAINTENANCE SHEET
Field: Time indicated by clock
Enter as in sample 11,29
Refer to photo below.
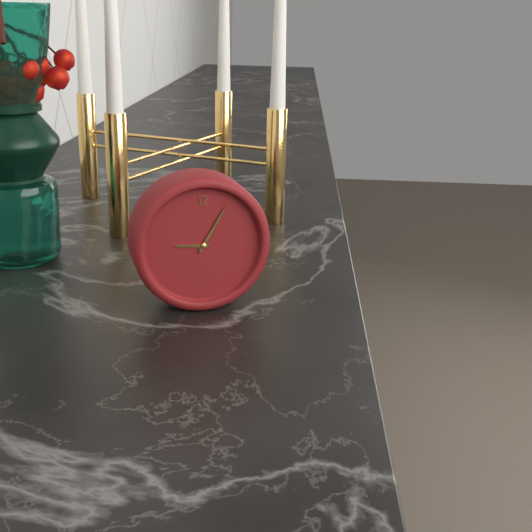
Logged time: 9,05
